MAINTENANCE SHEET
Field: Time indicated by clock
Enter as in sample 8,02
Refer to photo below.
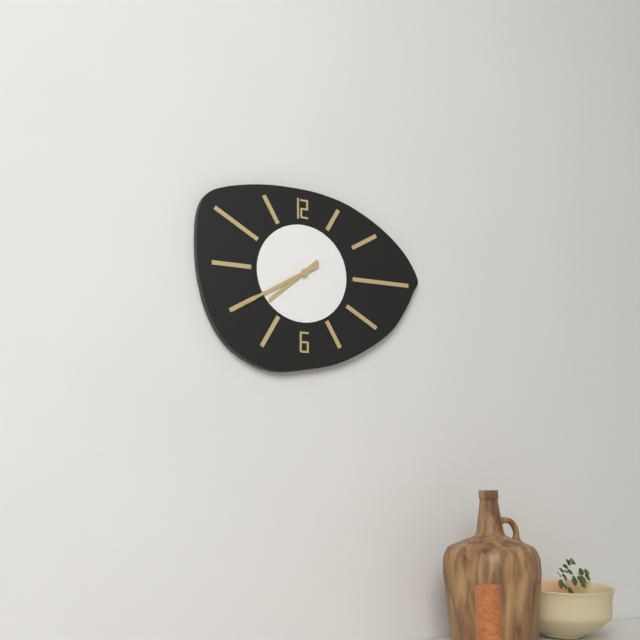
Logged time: 7,40
